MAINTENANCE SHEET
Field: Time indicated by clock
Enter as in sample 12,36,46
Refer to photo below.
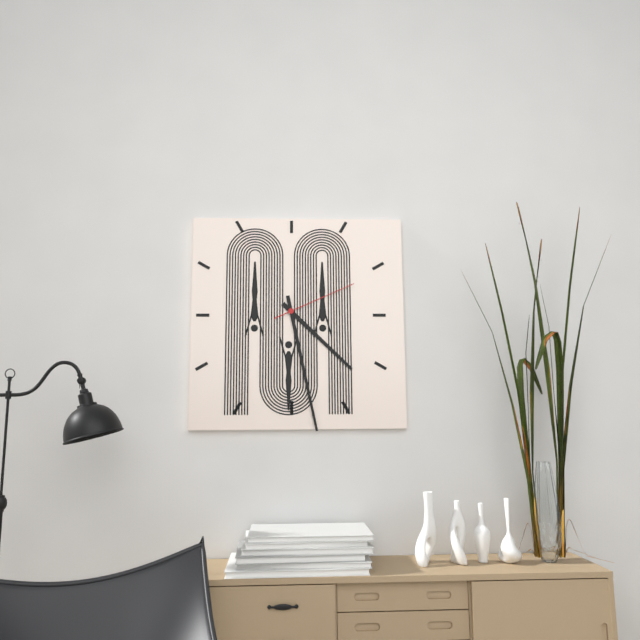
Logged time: 4,28,11
